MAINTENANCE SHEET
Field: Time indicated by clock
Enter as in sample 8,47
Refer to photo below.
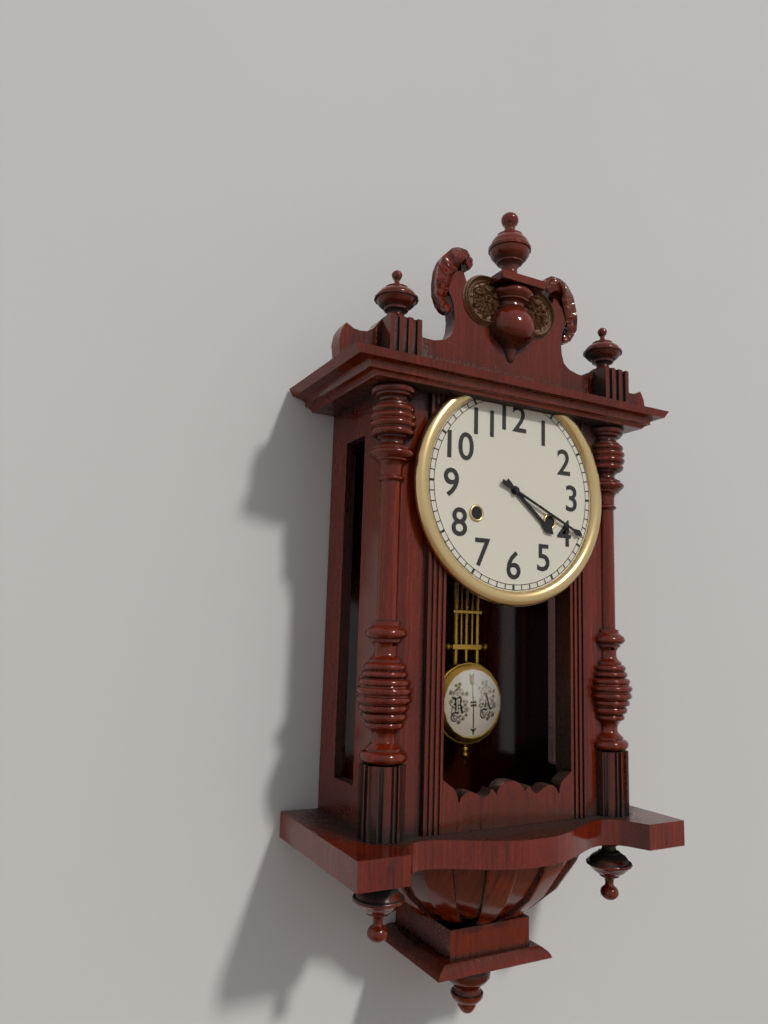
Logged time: 4,19
